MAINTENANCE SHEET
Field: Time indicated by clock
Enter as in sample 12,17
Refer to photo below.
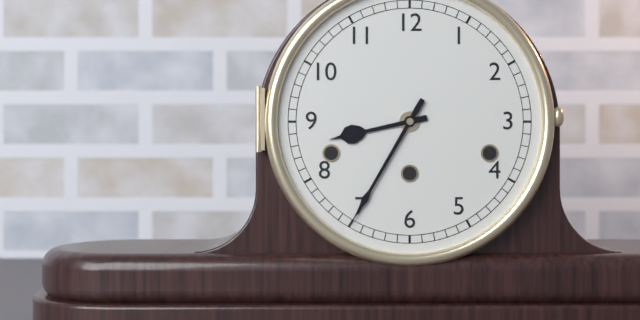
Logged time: 8,35
